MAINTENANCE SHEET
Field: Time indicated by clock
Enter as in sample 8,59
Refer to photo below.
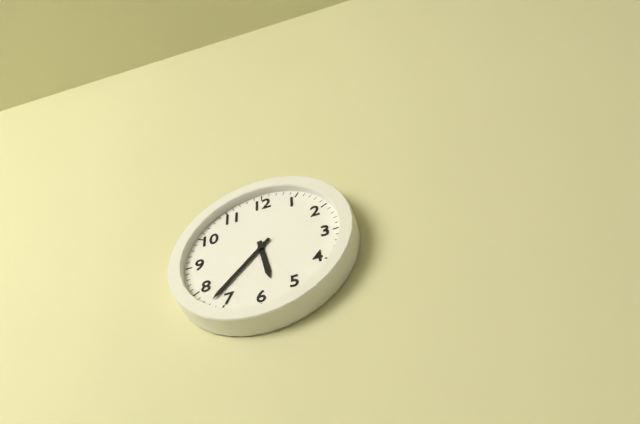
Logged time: 5,37
